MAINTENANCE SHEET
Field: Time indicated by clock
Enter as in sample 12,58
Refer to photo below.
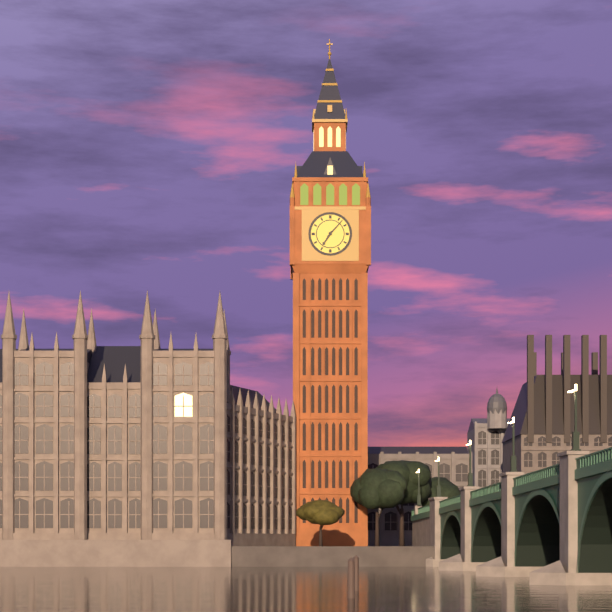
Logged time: 7,07
